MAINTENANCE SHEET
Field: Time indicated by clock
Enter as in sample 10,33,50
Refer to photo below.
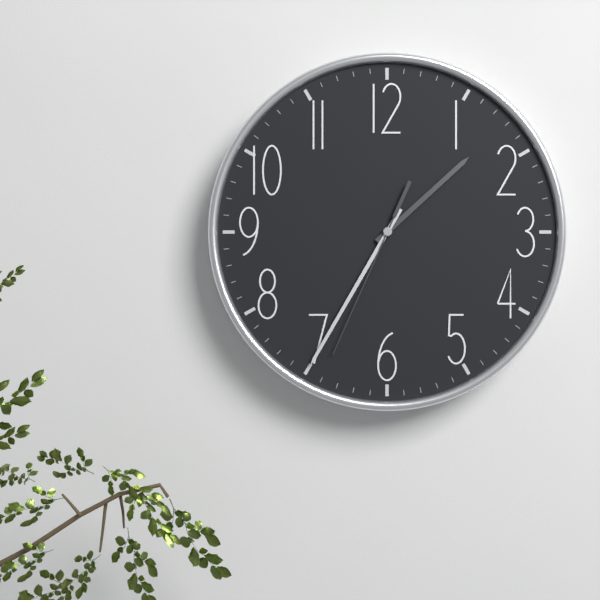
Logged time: 1,35,34
